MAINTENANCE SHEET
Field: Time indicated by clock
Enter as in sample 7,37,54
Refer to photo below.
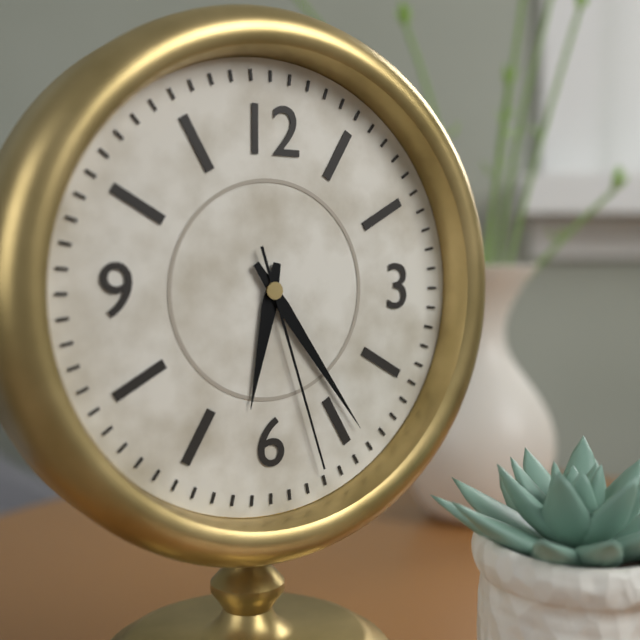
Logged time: 6,24,27
